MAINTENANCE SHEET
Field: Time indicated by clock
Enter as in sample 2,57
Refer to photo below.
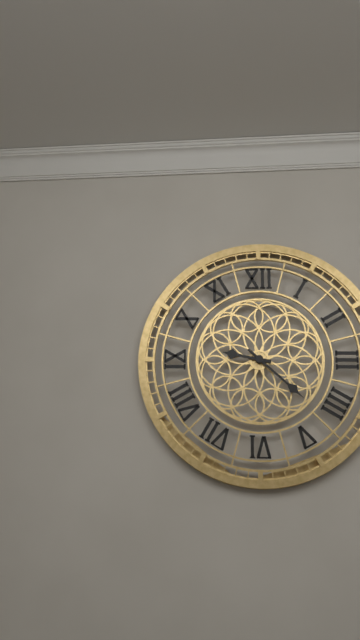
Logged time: 9,22
